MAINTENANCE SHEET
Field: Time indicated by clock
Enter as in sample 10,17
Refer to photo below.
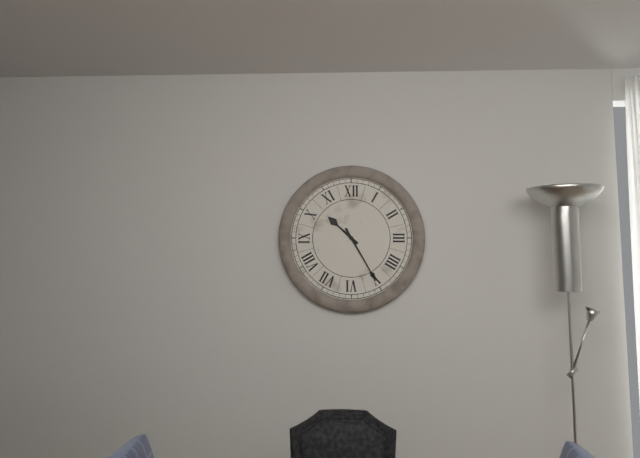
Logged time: 10,25
